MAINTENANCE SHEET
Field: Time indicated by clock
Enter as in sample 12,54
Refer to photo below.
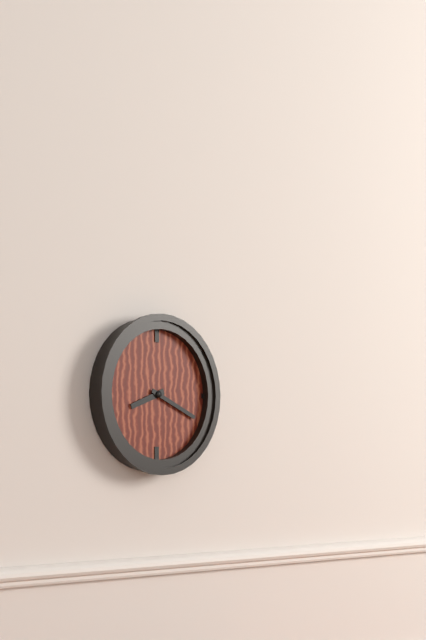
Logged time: 8,19
